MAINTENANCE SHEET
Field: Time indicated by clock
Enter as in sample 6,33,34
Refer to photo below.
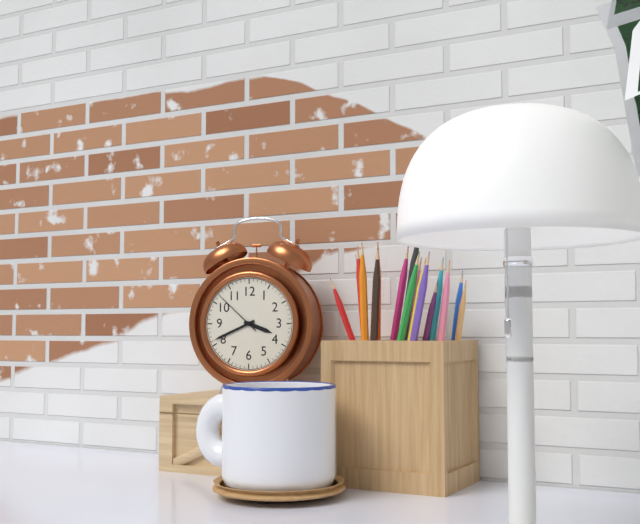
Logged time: 3,41,52
